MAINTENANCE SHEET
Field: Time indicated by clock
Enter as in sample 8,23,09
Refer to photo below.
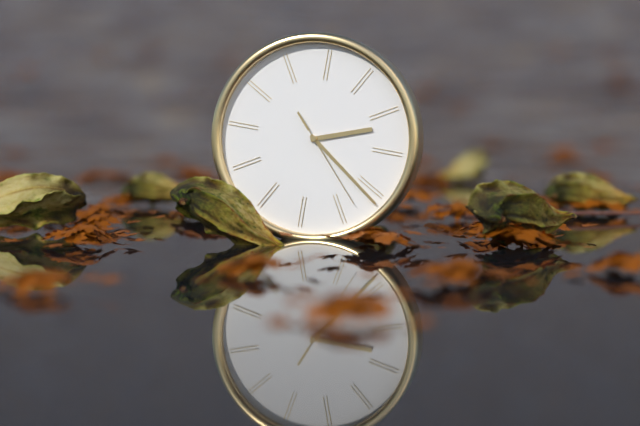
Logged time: 2,21,23
